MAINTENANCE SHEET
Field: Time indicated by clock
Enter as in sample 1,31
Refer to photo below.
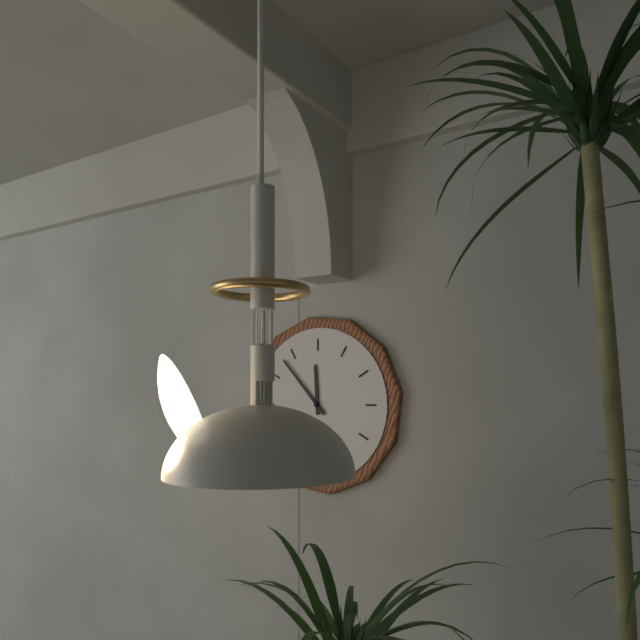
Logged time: 11,53
